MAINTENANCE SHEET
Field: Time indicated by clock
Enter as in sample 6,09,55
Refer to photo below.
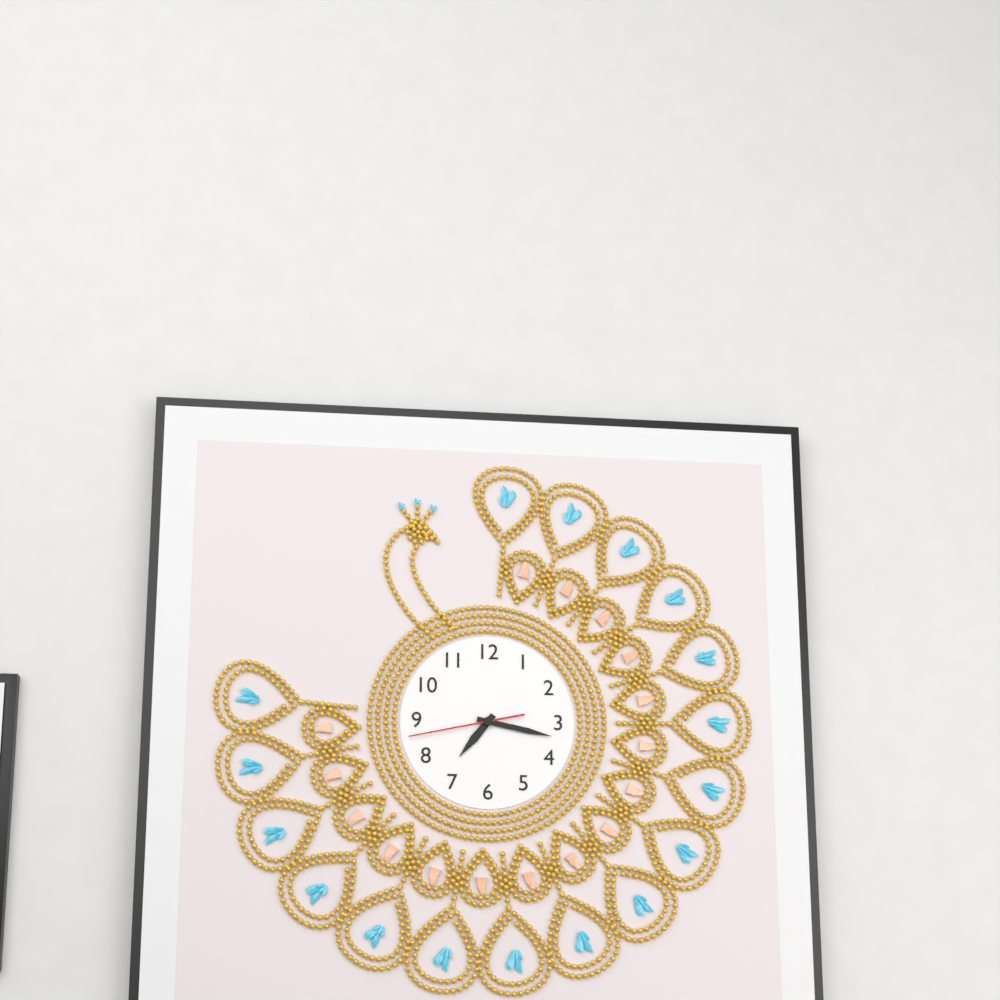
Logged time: 7,17,43
